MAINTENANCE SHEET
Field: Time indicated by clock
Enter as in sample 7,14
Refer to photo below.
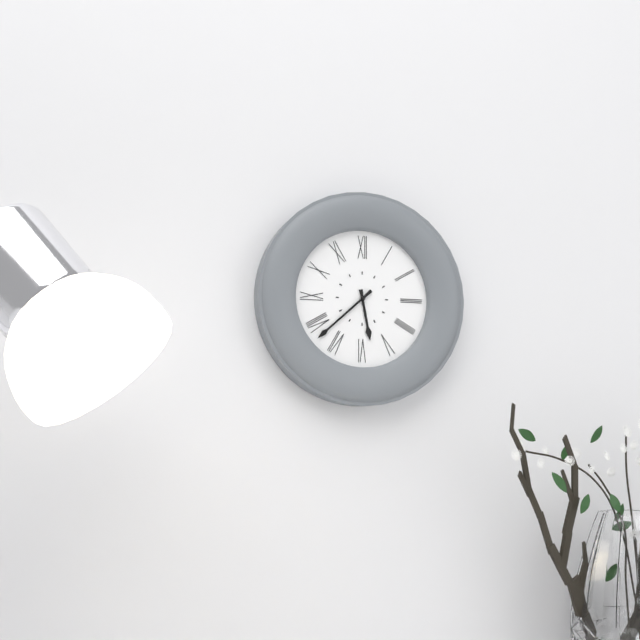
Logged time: 5,38
